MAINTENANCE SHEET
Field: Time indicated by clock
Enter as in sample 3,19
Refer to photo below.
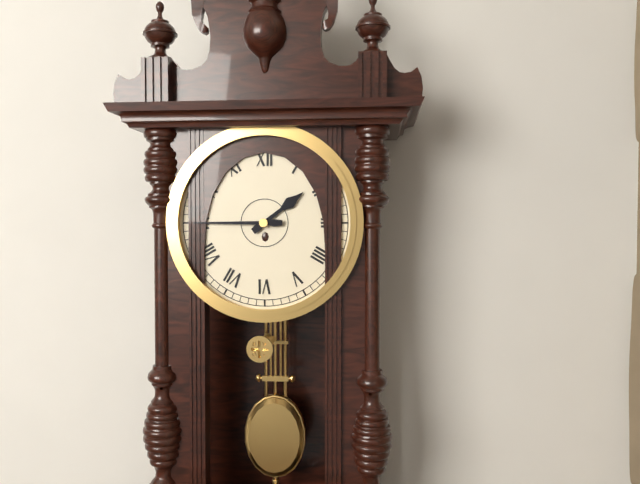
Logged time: 1,45
